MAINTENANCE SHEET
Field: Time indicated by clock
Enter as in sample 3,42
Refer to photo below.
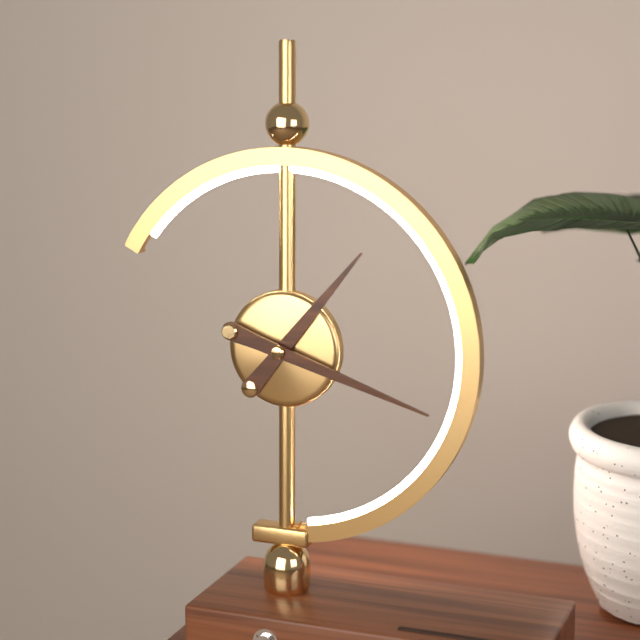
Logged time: 1,18
